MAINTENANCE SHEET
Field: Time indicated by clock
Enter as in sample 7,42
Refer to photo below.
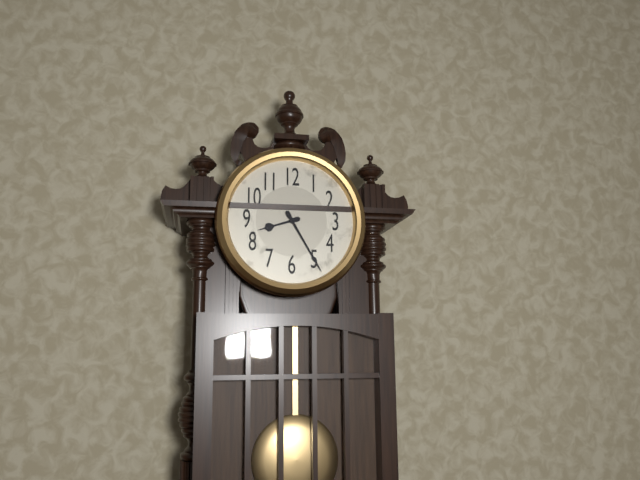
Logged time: 8,25
